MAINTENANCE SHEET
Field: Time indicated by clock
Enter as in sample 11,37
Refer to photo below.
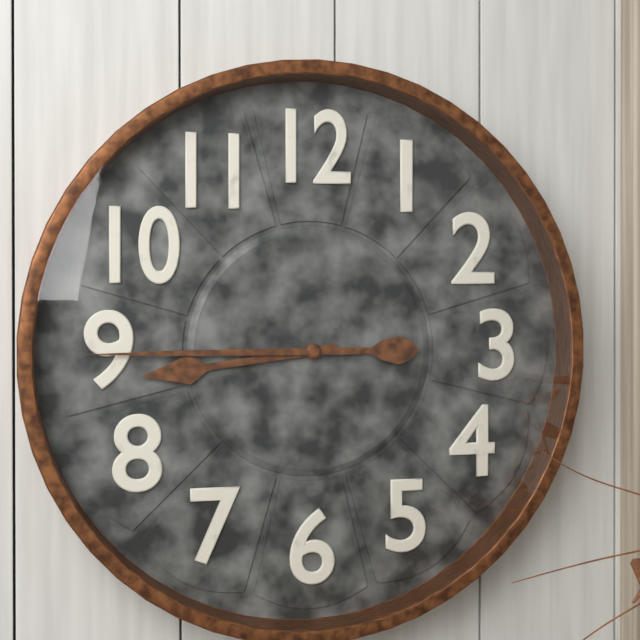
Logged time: 8,45
